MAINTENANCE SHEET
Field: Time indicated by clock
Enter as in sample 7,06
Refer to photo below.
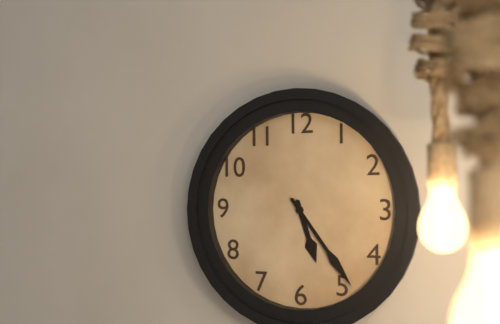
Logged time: 5,24
